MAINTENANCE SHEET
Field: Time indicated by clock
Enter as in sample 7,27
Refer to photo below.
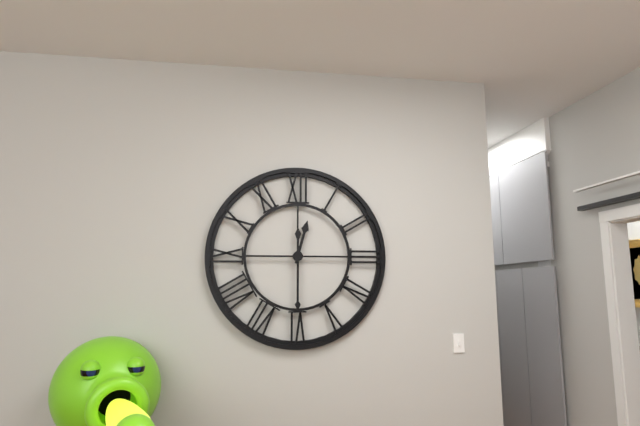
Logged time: 12,30
